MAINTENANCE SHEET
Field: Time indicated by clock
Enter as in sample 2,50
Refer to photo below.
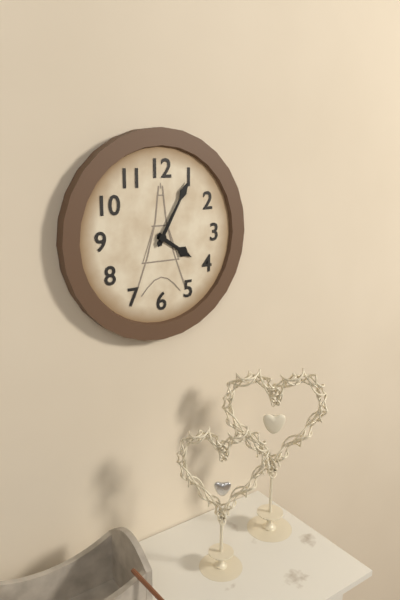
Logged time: 4,05
